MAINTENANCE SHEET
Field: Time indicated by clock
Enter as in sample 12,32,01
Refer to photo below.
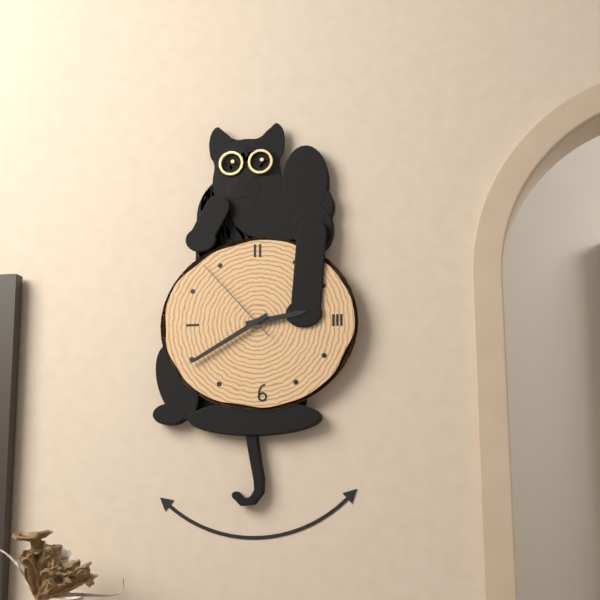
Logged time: 2,40,53
